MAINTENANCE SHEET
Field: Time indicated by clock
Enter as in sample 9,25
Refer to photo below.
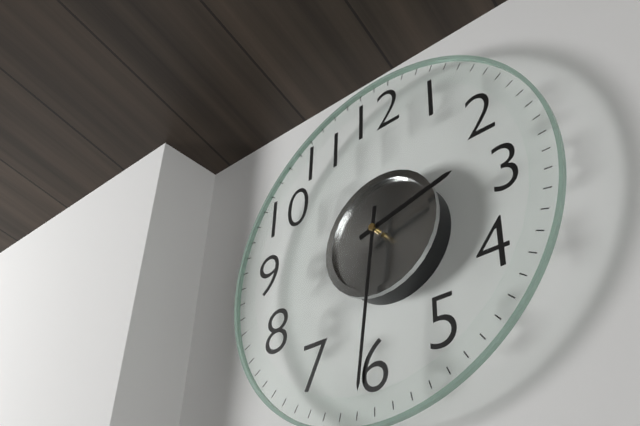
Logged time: 2,31
